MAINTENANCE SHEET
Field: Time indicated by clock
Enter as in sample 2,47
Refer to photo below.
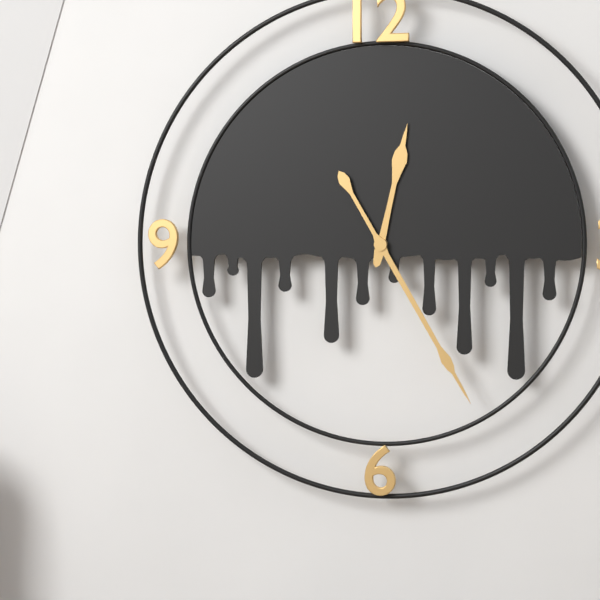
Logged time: 12,25
